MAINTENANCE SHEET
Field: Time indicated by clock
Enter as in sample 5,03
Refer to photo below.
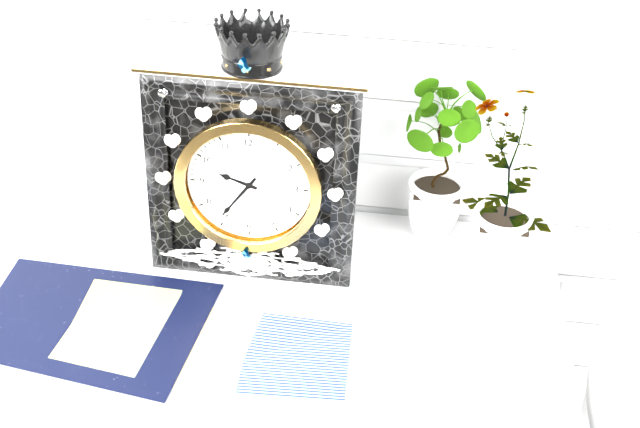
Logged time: 9,36
